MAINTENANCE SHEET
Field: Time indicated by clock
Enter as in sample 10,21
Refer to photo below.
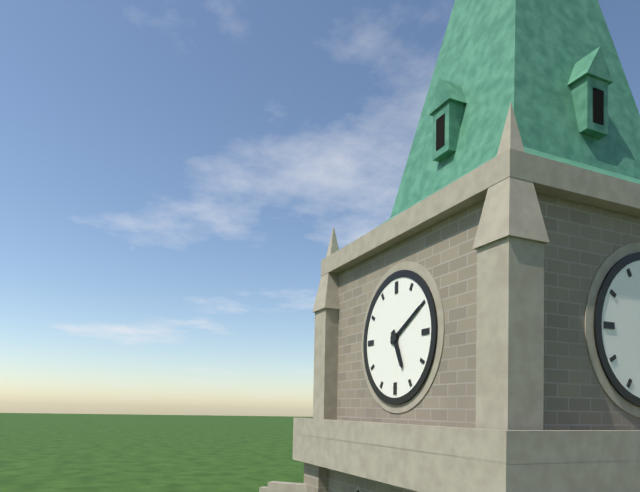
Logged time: 5,10
